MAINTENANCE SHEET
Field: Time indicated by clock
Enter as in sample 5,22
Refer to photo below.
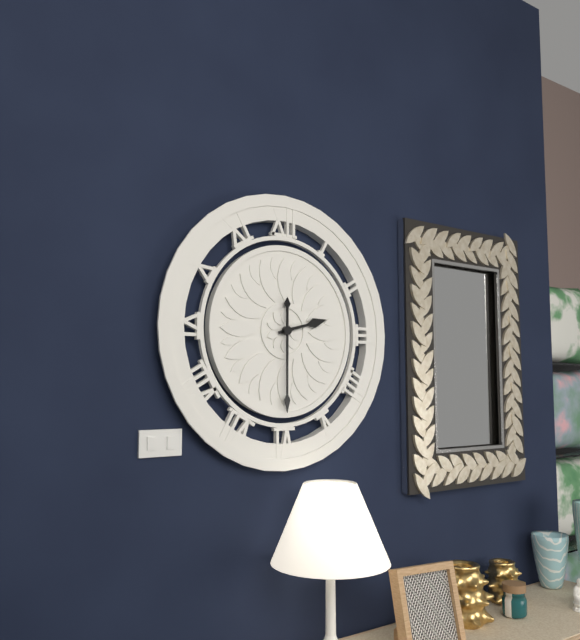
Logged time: 2,30
